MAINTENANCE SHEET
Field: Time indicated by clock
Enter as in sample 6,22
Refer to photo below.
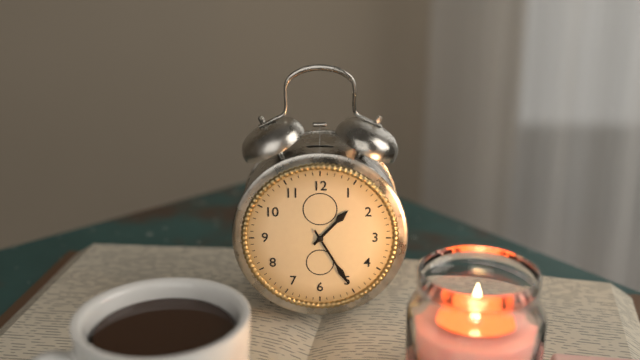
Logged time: 1,25
